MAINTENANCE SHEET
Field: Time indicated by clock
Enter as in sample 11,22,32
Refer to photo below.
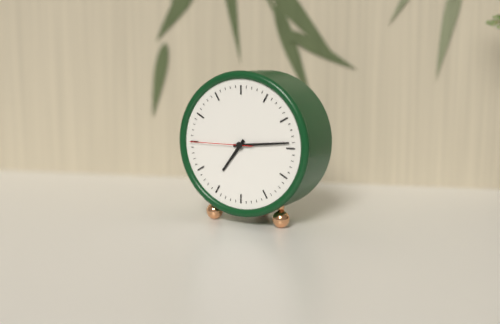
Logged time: 7,14,45
